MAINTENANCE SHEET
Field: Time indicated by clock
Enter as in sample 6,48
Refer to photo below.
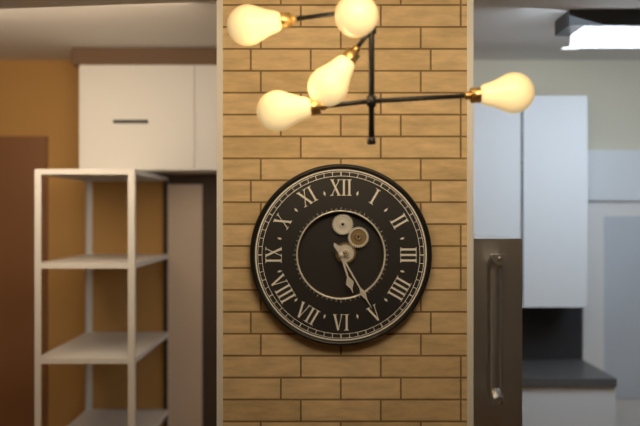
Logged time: 5,25
